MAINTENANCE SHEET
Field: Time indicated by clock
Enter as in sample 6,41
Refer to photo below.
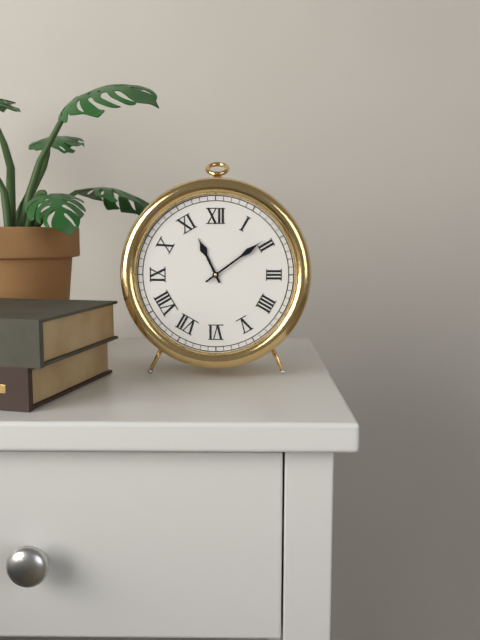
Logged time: 11,09
